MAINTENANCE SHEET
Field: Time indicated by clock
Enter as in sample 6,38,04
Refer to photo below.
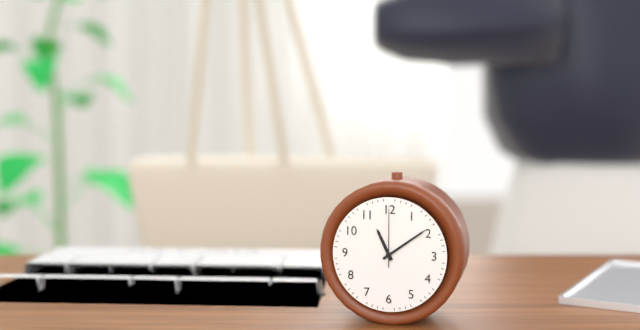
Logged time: 11,09,00
